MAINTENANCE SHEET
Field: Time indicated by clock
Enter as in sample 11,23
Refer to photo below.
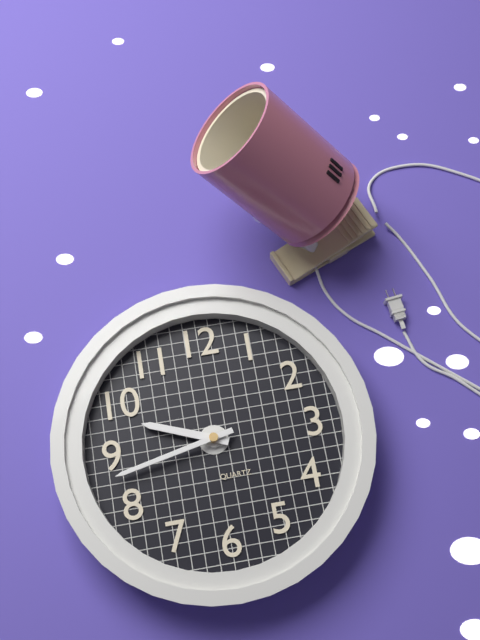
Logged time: 9,43
